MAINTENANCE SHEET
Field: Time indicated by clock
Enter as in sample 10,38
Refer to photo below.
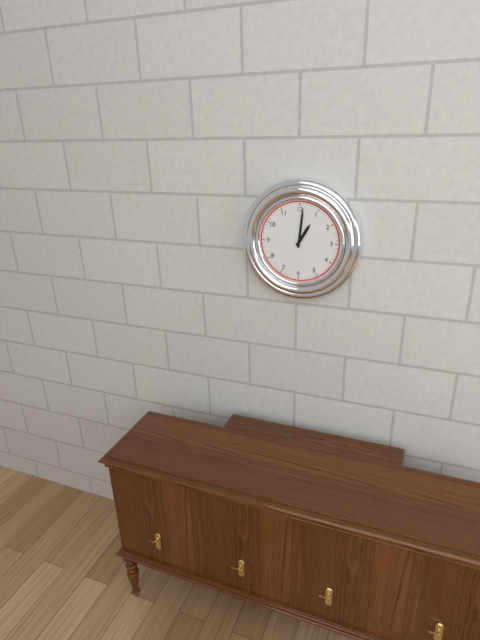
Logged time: 1,01
